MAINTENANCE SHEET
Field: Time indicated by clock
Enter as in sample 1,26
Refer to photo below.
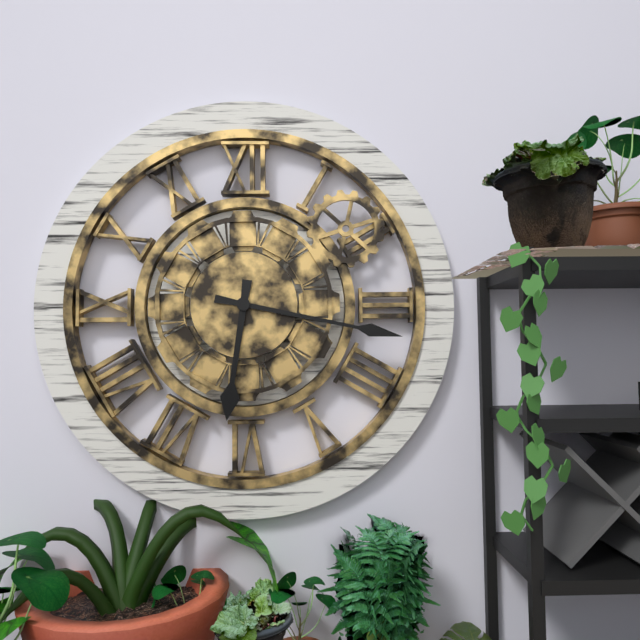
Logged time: 6,17
